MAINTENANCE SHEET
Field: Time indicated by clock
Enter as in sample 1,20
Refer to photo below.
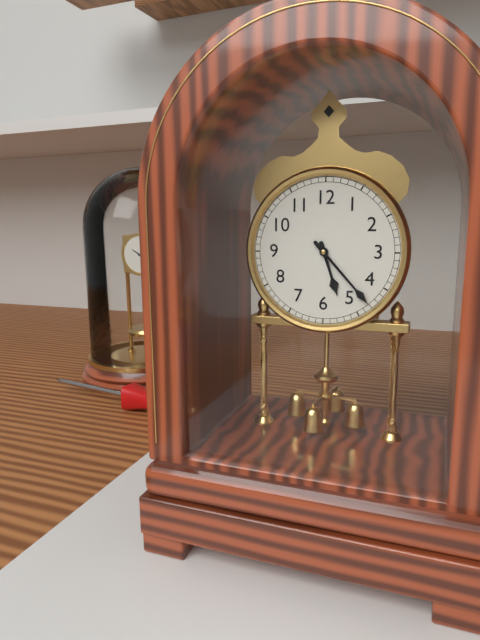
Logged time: 5,23
